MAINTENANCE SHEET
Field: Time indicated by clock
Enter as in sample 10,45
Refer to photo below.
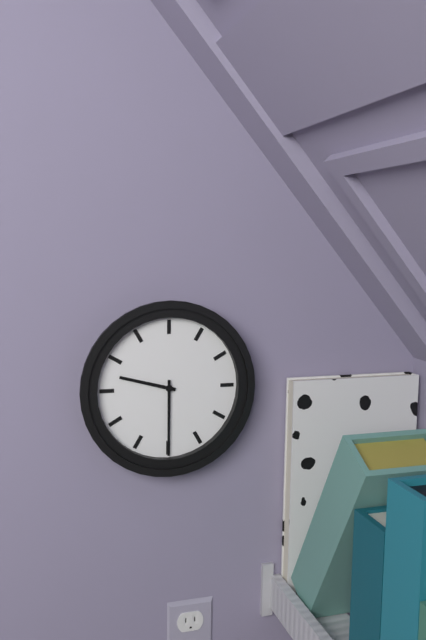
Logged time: 9,30
